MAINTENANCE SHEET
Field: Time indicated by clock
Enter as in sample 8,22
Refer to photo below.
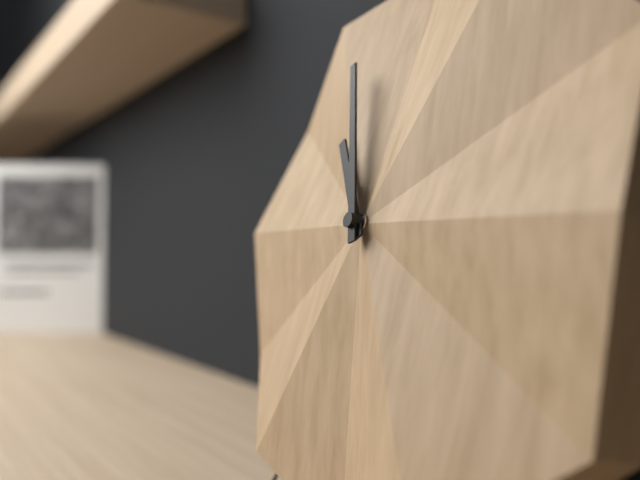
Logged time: 10,57
